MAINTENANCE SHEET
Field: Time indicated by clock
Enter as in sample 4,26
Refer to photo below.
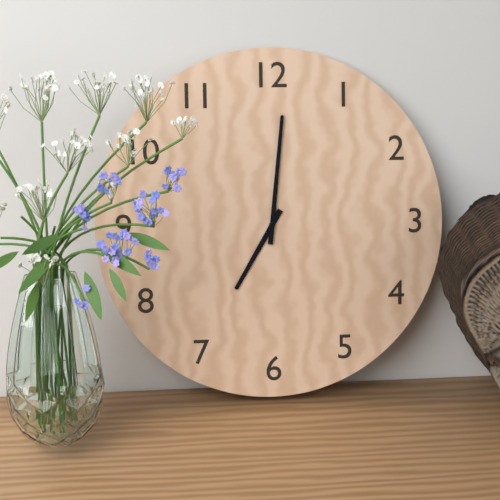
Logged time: 7,01
